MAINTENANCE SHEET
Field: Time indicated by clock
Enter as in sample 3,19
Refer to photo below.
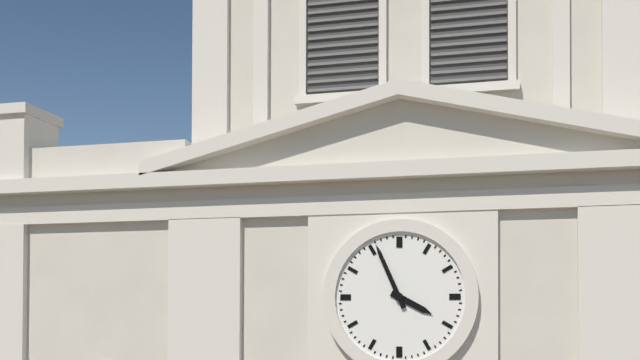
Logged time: 3,56
